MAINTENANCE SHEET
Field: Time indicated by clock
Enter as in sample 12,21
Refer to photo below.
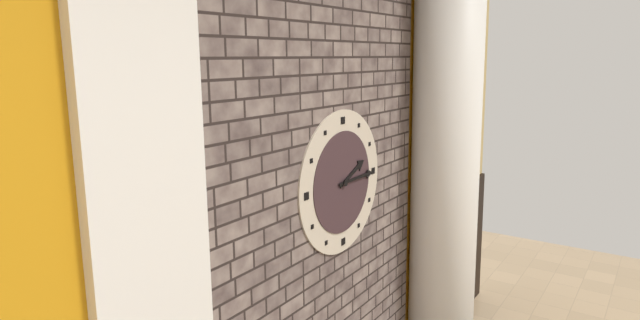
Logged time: 2,15
